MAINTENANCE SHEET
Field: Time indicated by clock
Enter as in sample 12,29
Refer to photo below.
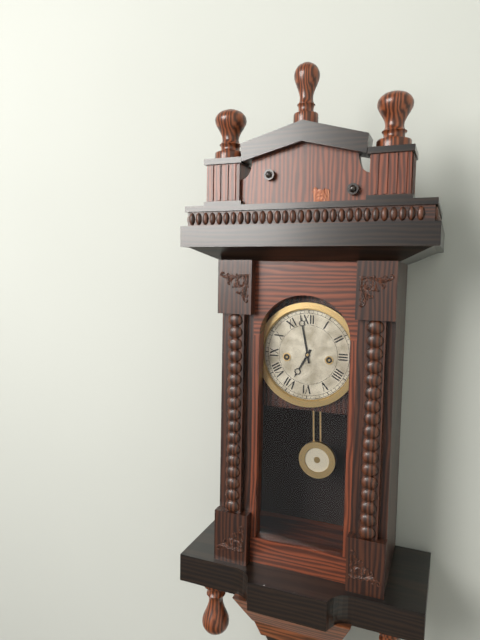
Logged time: 6,58
